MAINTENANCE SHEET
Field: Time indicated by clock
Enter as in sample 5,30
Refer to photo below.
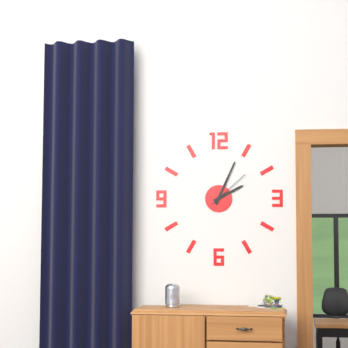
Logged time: 2,04
